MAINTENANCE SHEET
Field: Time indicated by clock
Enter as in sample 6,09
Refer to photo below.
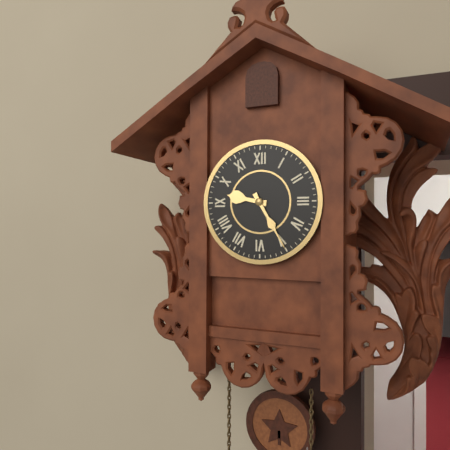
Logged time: 9,25
